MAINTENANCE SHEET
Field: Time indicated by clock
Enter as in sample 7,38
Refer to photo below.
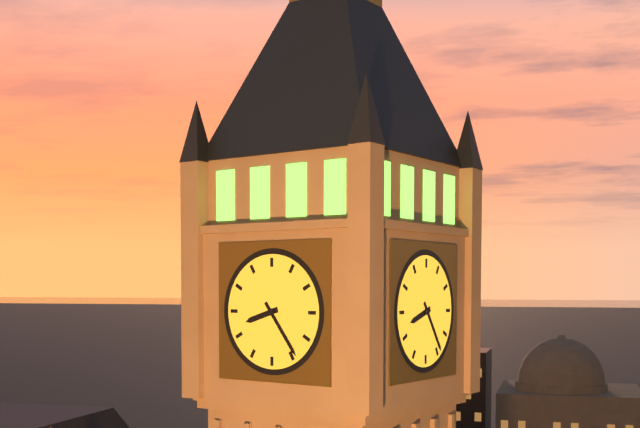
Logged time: 8,24
